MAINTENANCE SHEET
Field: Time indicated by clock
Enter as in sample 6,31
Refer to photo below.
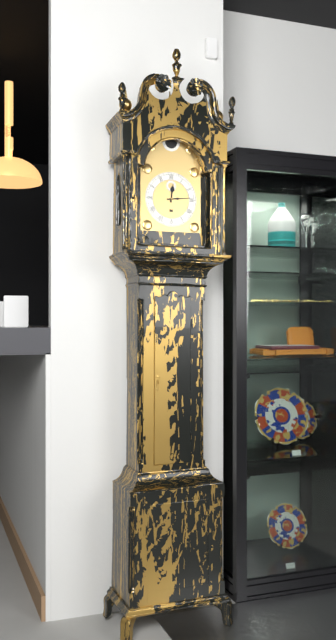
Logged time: 12,14
